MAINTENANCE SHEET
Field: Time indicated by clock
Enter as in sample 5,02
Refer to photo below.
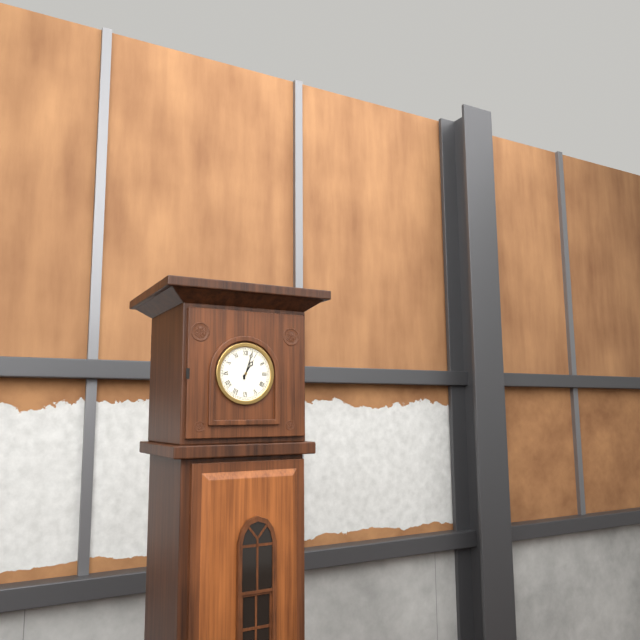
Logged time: 1,03
